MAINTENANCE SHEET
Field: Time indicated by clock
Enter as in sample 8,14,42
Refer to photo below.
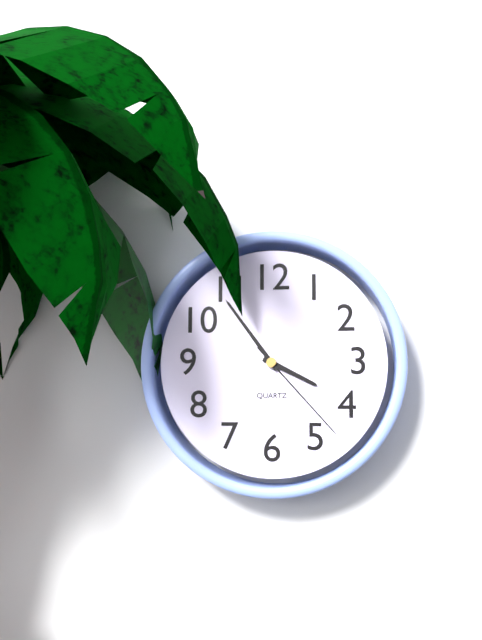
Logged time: 3,54,23
